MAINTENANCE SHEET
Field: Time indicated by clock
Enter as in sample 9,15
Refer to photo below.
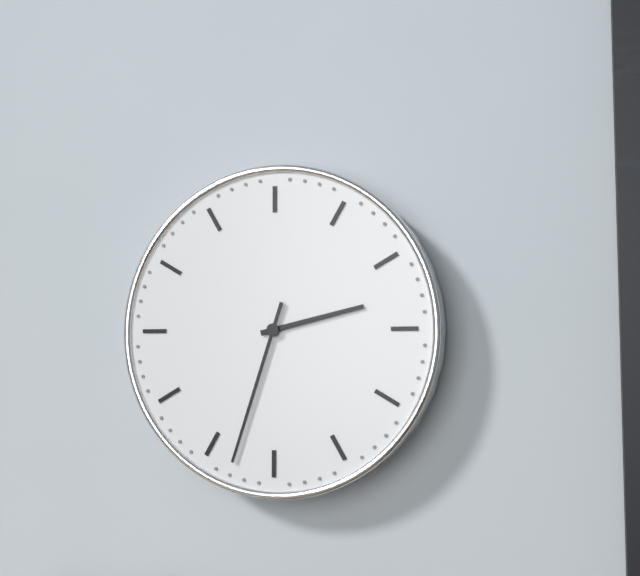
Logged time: 2,33
